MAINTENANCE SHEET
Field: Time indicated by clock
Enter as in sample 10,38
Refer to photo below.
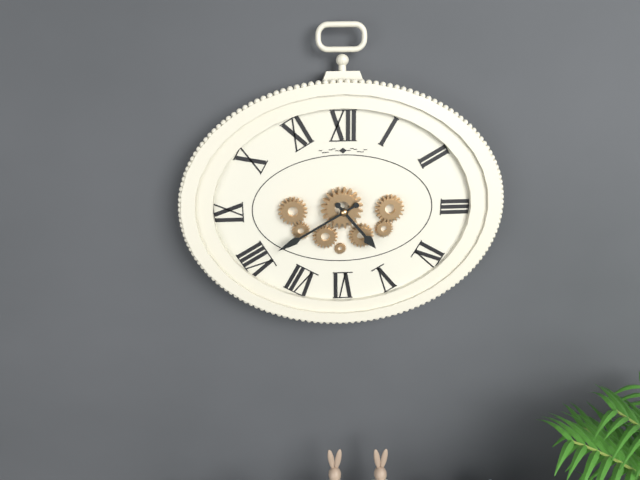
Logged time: 4,40
